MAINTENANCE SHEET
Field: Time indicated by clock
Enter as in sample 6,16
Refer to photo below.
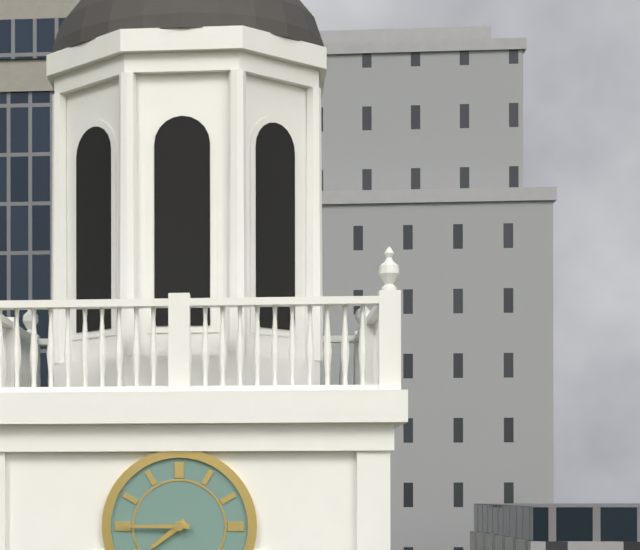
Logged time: 7,45
